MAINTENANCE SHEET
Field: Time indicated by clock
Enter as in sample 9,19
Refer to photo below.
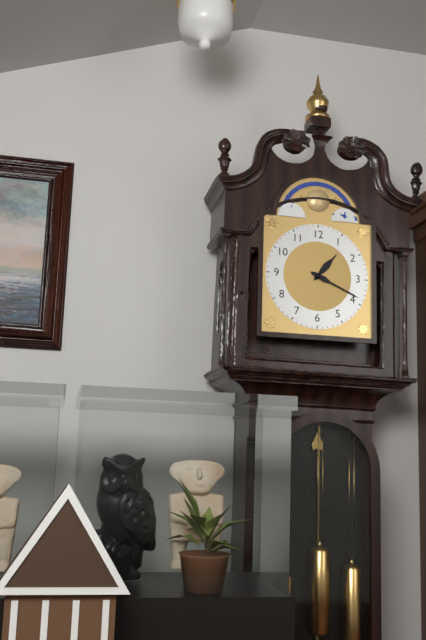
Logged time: 1,19
